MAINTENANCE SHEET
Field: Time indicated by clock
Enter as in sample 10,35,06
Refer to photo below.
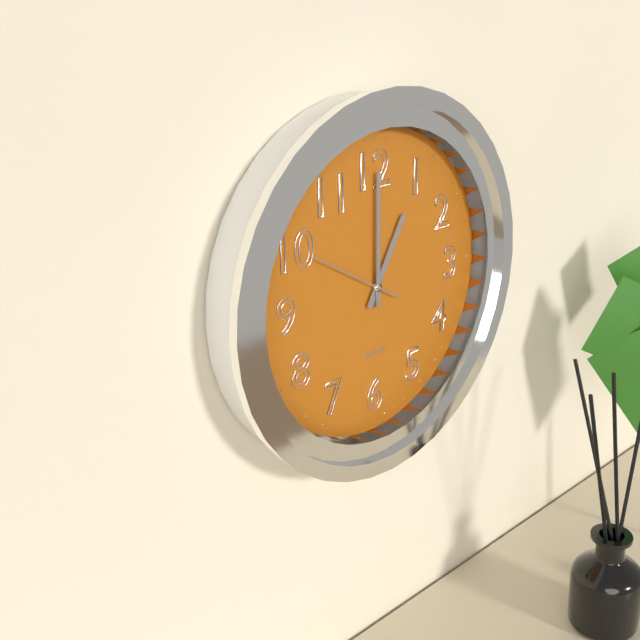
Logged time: 1,00,50
